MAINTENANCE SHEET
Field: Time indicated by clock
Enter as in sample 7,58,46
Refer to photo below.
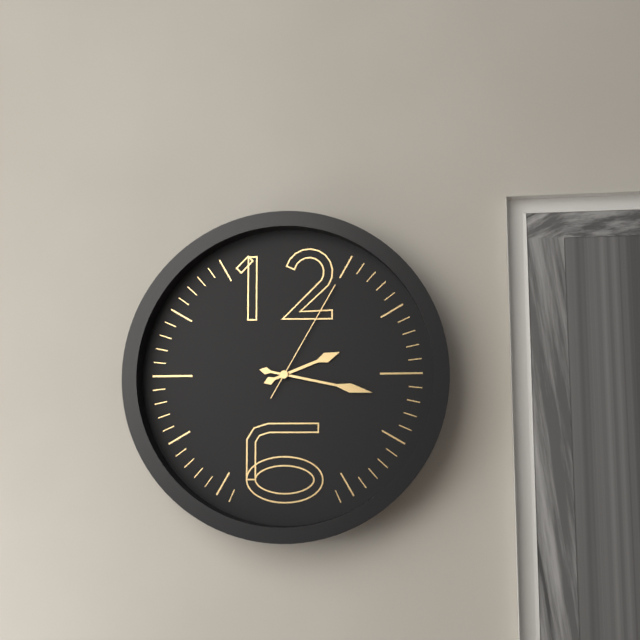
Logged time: 2,17,05
